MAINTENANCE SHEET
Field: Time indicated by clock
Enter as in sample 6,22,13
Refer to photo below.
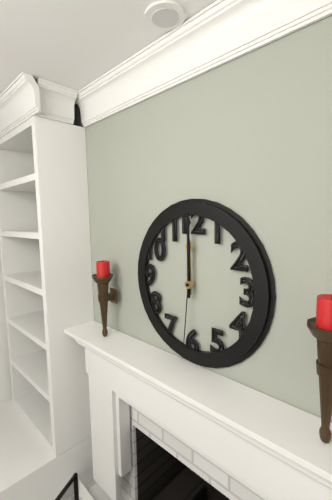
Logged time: 12,00,31
